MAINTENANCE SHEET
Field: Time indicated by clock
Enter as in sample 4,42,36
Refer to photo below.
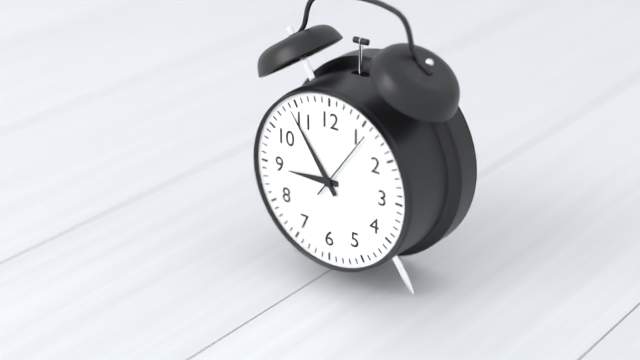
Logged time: 8,54,06
